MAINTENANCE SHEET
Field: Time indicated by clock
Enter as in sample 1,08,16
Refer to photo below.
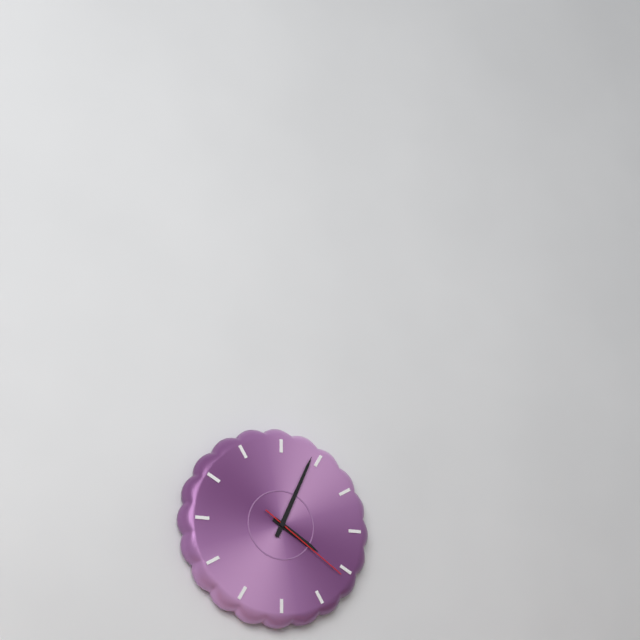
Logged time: 4,04,21
